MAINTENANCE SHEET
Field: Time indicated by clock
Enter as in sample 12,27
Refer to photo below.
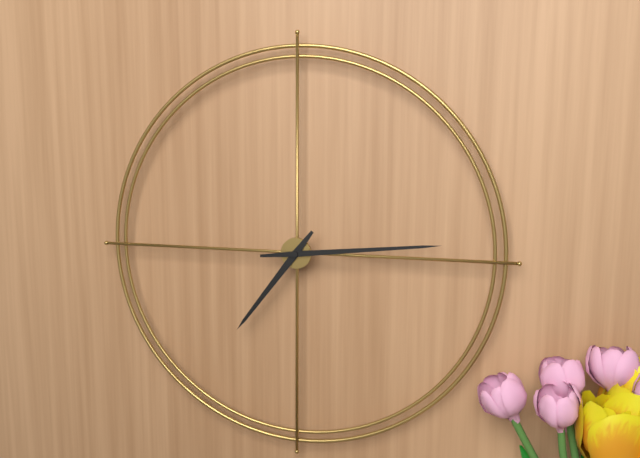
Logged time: 7,14
